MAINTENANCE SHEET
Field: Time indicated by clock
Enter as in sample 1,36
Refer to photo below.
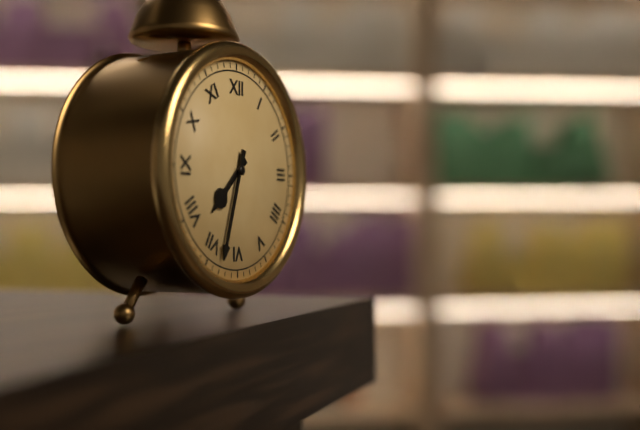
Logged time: 7,33
